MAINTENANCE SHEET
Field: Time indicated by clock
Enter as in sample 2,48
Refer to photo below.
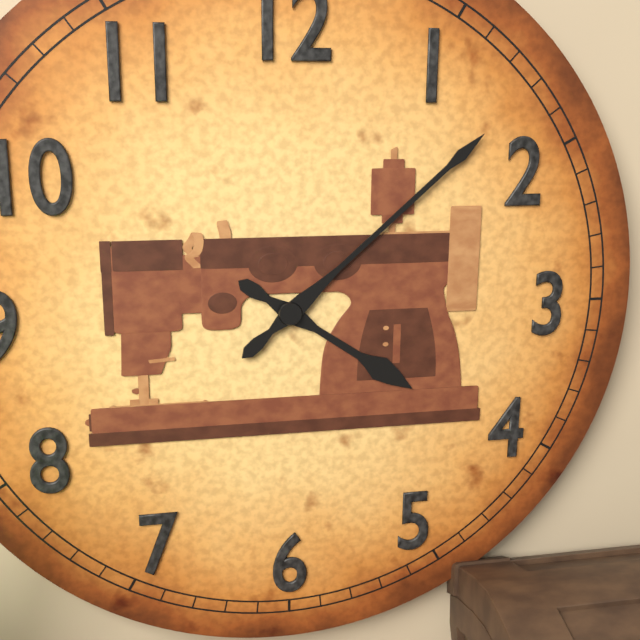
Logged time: 4,08
